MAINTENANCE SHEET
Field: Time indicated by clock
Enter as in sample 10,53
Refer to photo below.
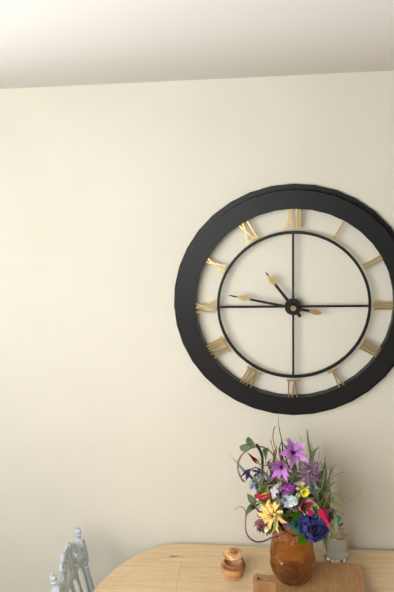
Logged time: 10,47
